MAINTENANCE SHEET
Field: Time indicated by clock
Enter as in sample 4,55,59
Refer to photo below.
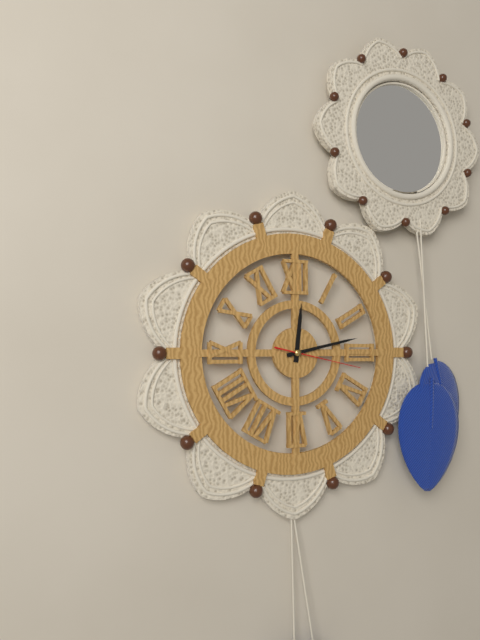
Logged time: 12,13,17
